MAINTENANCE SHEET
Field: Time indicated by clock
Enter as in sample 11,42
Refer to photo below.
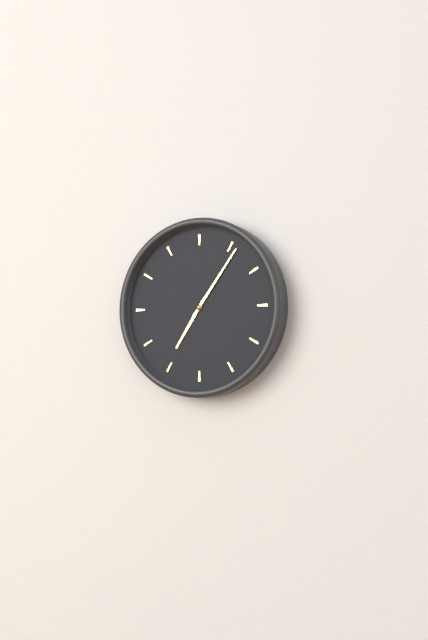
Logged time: 7,06
